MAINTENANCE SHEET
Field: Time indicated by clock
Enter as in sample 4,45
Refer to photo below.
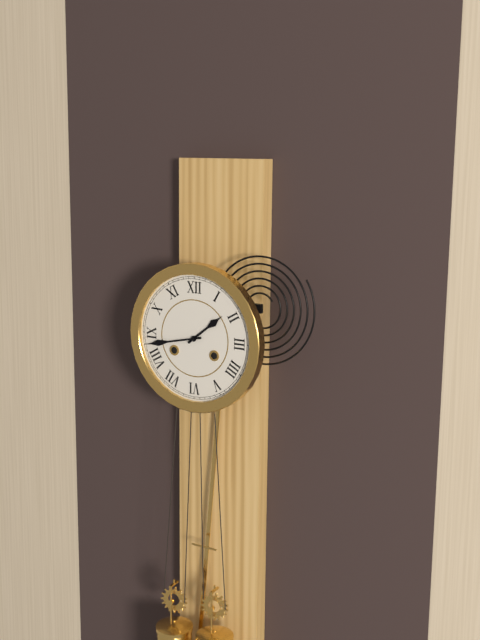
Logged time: 1,43
